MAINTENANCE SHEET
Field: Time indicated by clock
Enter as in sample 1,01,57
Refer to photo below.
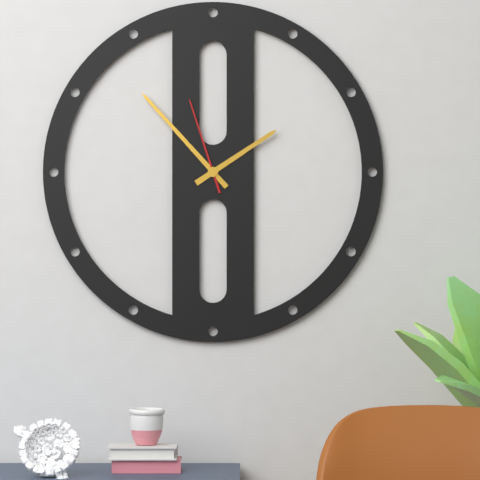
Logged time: 1,53,57
